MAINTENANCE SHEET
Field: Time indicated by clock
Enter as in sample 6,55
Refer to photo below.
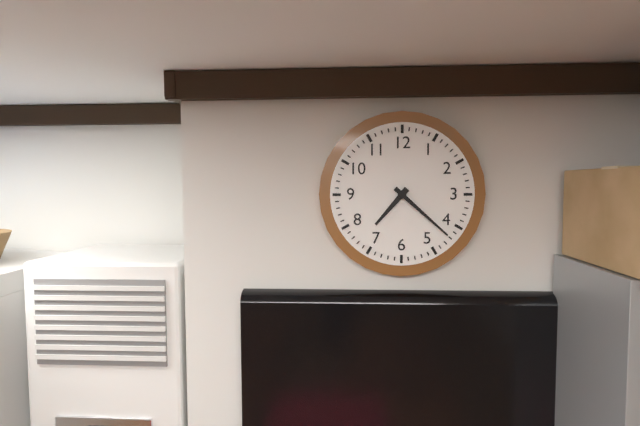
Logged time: 7,22
